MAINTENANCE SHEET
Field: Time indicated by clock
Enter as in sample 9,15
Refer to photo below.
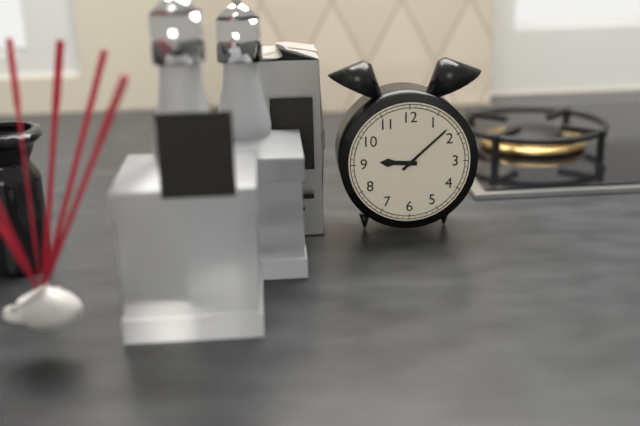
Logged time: 9,08
